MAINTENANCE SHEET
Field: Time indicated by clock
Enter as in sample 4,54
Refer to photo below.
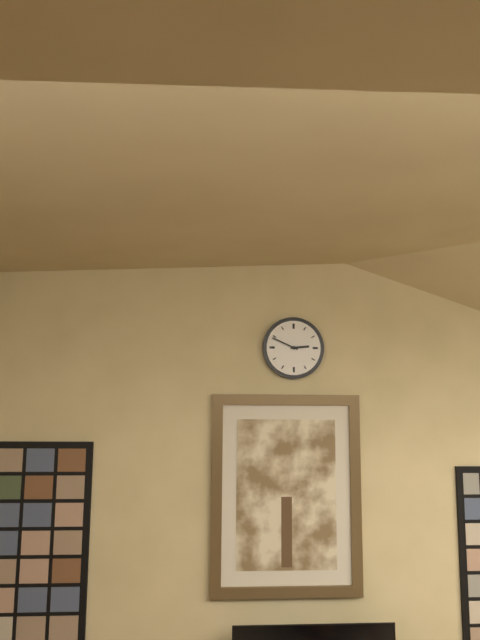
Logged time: 2,49
